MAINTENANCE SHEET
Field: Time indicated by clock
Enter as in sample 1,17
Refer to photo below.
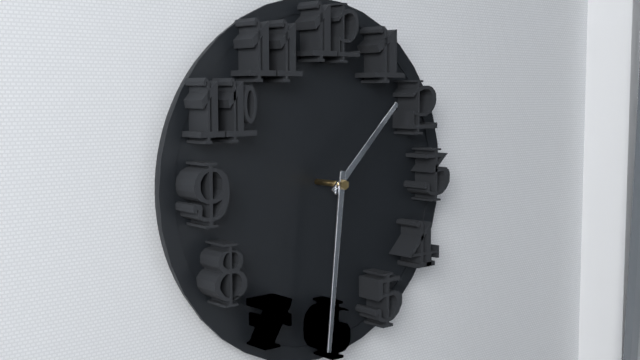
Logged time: 1,31
